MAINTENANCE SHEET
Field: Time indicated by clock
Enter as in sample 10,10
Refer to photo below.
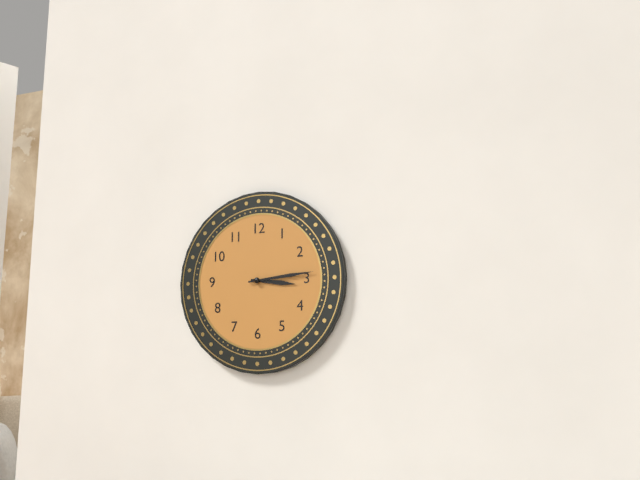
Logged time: 3,14
